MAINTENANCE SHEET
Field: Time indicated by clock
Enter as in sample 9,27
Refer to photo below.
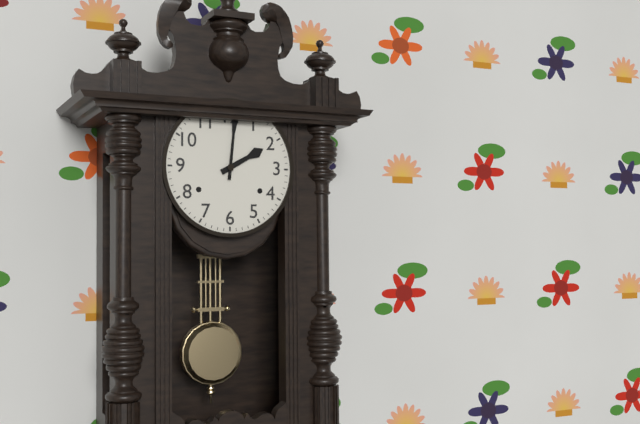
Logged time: 2,01
